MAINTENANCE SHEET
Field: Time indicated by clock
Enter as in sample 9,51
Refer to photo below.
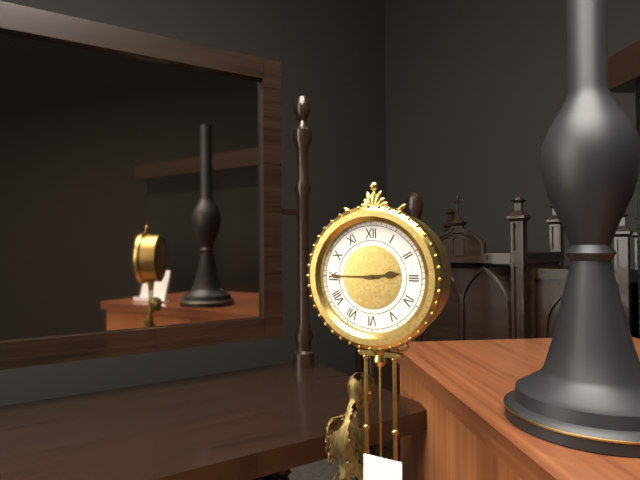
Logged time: 2,45
